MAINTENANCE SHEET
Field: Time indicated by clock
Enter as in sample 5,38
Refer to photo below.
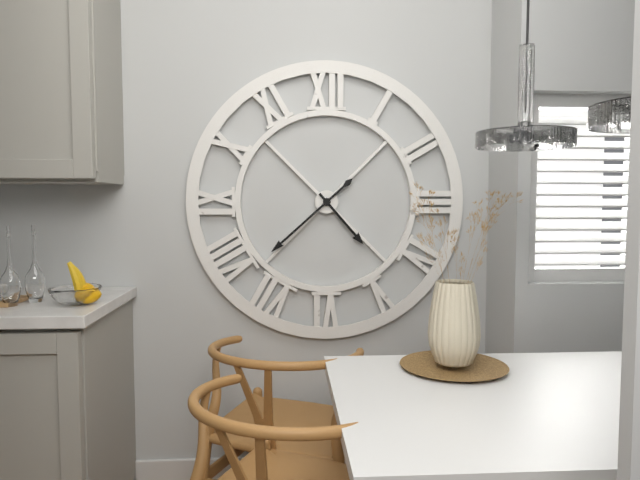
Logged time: 4,38
